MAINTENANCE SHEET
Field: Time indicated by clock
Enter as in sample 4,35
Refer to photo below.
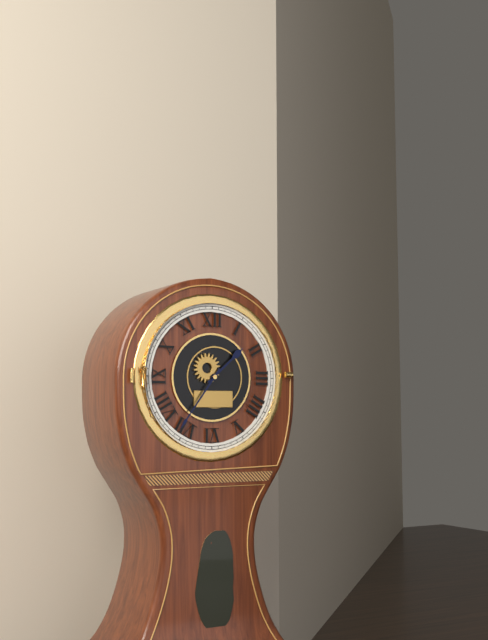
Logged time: 1,36
